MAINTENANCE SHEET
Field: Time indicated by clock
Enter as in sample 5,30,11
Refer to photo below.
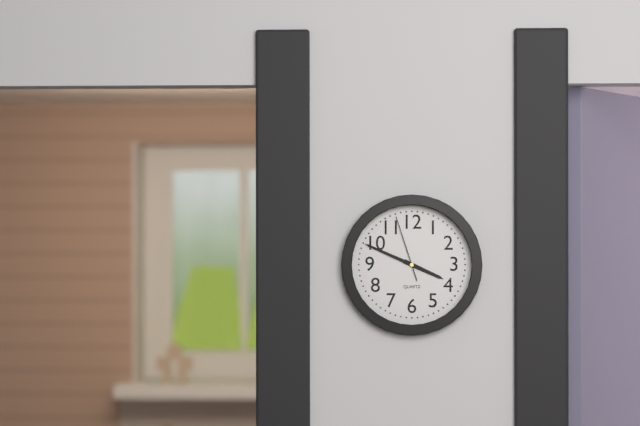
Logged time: 3,49,57
